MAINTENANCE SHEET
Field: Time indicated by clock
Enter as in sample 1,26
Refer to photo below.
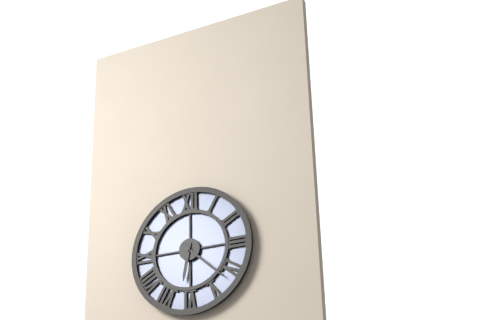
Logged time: 6,22
